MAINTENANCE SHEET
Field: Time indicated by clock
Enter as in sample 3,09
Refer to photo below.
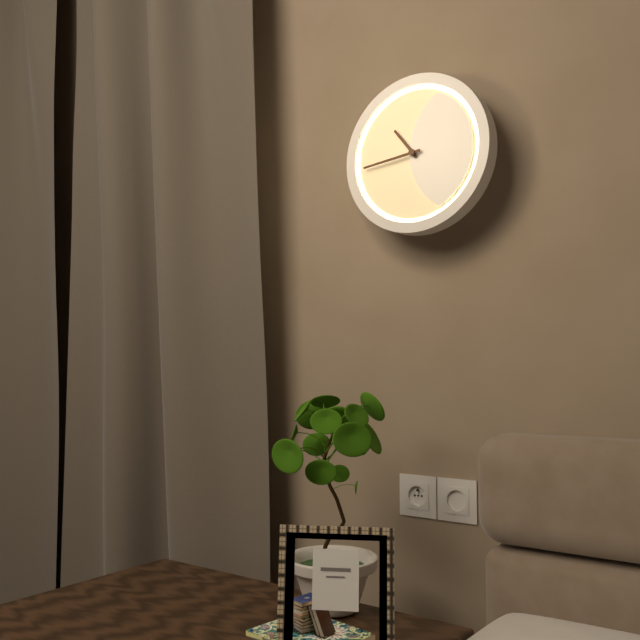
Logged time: 10,44
